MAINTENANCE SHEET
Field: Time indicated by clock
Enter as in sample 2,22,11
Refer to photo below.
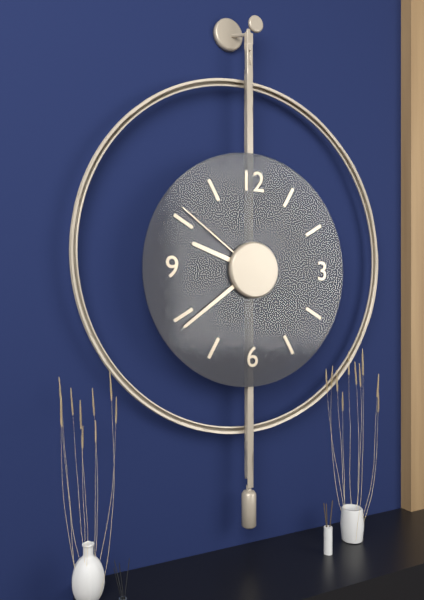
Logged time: 9,39,51
